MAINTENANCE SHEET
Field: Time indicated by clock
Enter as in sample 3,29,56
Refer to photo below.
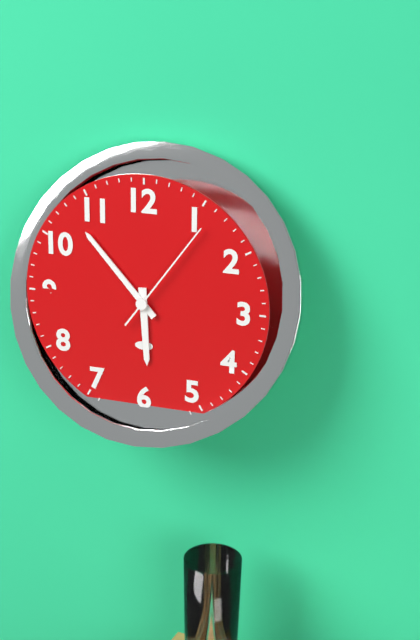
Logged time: 5,53,06
